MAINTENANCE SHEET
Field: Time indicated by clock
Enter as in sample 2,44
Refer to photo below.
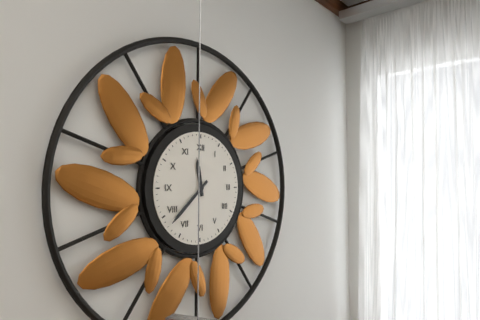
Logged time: 11,38
